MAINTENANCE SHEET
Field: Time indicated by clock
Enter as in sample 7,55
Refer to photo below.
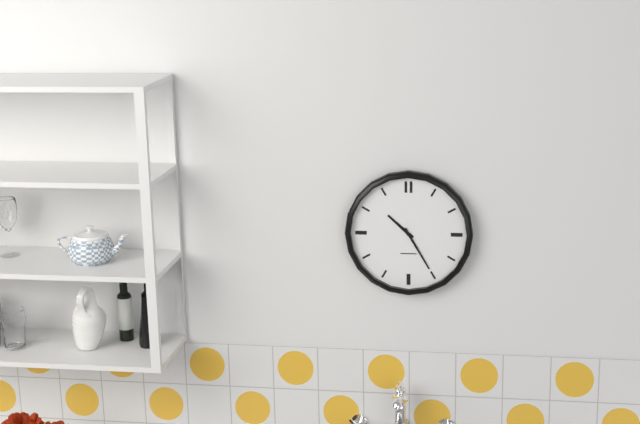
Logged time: 10,25
